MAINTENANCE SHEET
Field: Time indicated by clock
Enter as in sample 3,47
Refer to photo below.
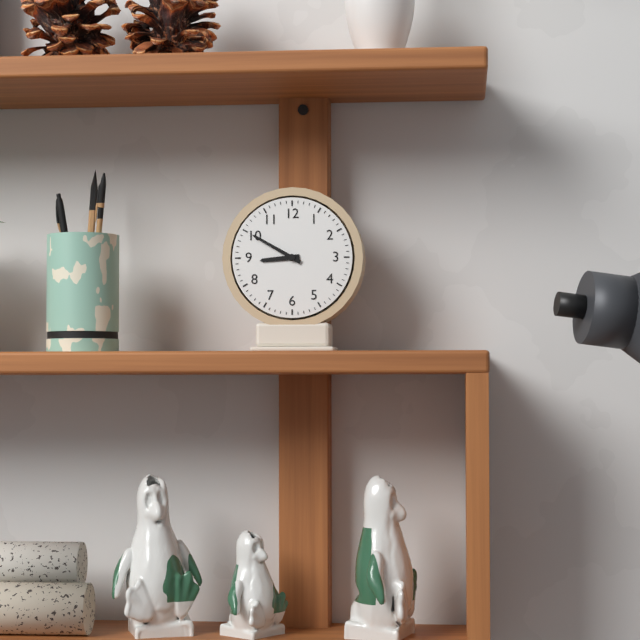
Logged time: 8,50
